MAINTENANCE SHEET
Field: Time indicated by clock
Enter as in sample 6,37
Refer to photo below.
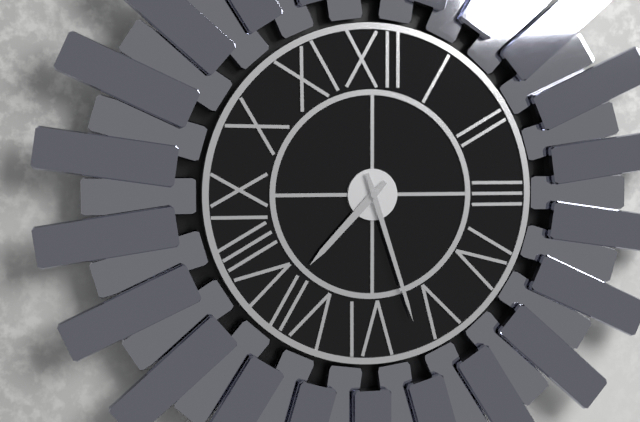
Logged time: 7,27
